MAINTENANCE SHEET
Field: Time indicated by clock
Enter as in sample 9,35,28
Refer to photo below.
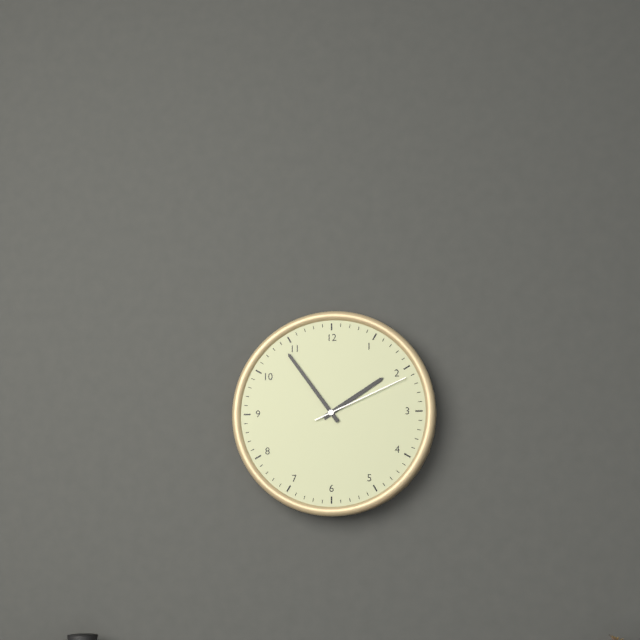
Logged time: 1,54,11
